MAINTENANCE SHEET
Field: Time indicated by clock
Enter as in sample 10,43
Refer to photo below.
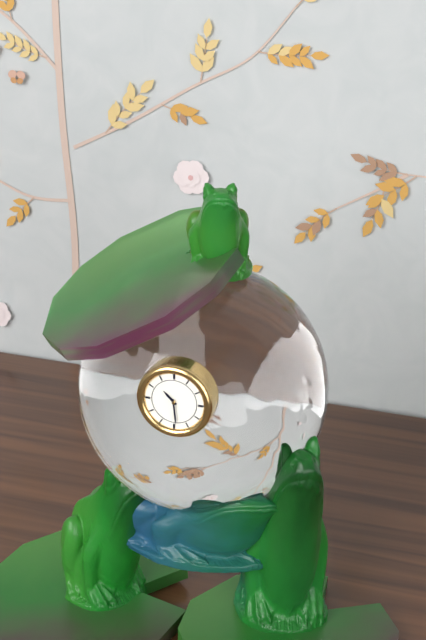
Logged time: 10,29
